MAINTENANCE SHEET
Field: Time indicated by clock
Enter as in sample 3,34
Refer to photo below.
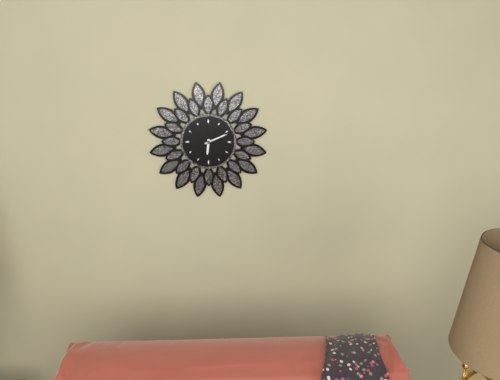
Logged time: 6,11
